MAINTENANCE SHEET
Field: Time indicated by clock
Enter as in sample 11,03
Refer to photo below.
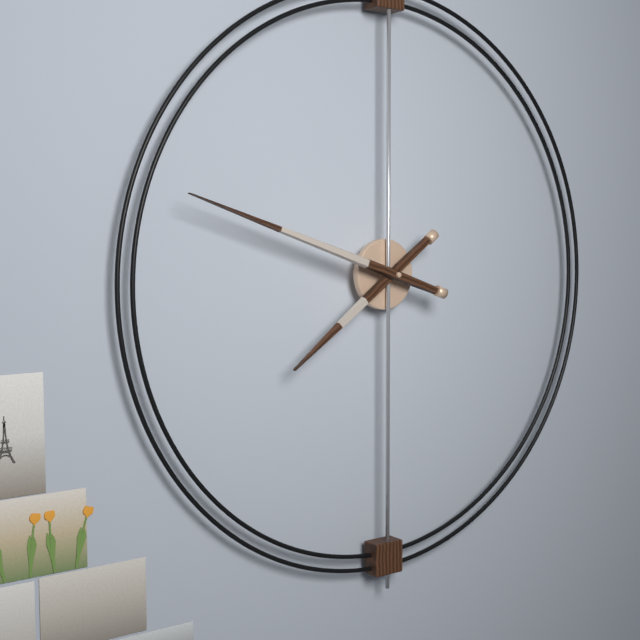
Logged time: 7,48
